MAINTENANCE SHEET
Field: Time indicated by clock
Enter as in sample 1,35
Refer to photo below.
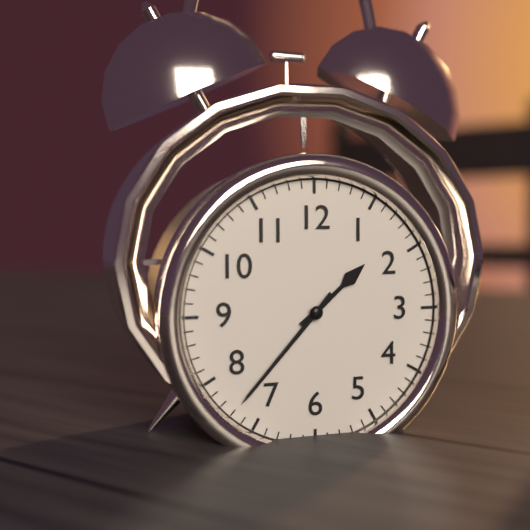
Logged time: 1,37
